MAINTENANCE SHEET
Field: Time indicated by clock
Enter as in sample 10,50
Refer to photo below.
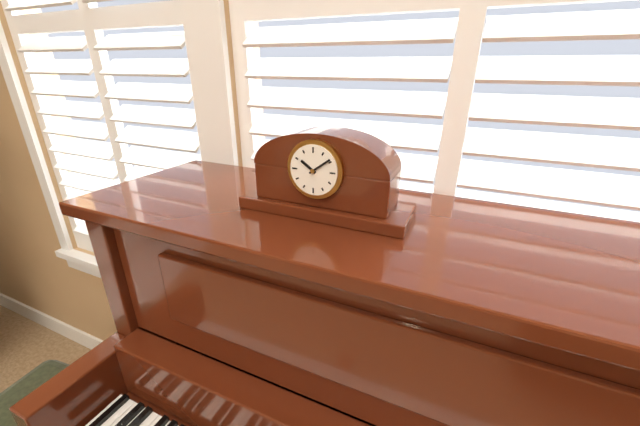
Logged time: 10,09
